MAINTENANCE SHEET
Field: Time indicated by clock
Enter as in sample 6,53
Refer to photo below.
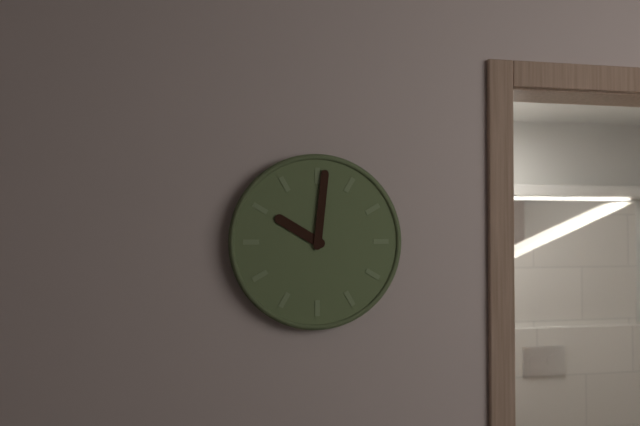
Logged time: 10,01
